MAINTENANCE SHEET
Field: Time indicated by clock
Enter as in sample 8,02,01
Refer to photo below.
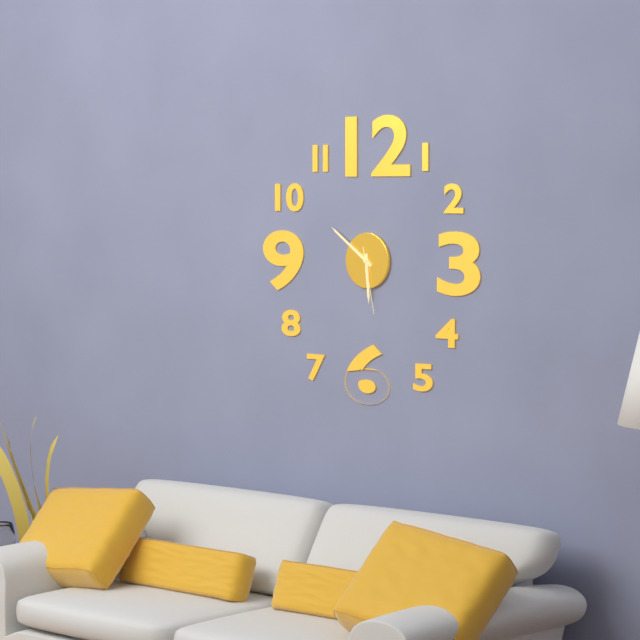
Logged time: 5,51,28
